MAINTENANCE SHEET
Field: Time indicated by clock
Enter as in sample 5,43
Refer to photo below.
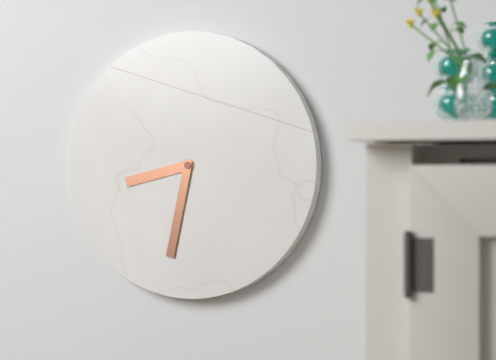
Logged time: 8,32
